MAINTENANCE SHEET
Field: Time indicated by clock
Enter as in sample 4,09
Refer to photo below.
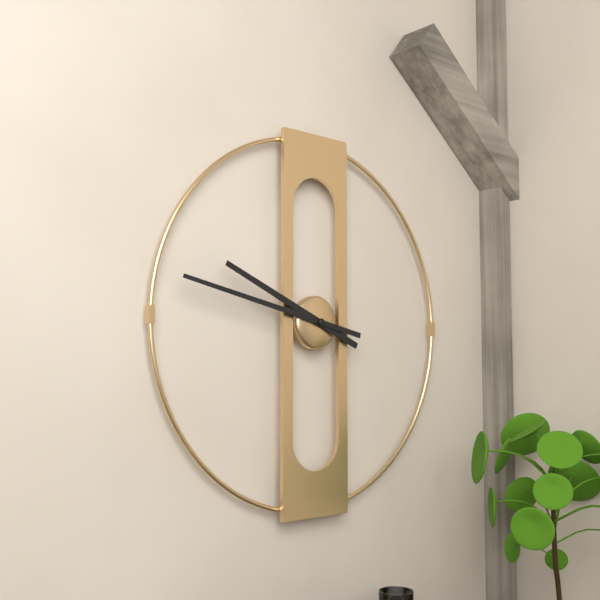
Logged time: 9,47
